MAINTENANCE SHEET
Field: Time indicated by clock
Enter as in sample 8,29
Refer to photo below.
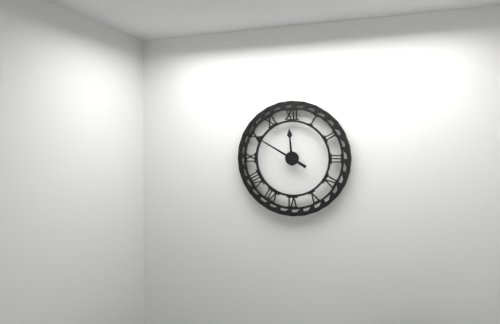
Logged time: 11,50
